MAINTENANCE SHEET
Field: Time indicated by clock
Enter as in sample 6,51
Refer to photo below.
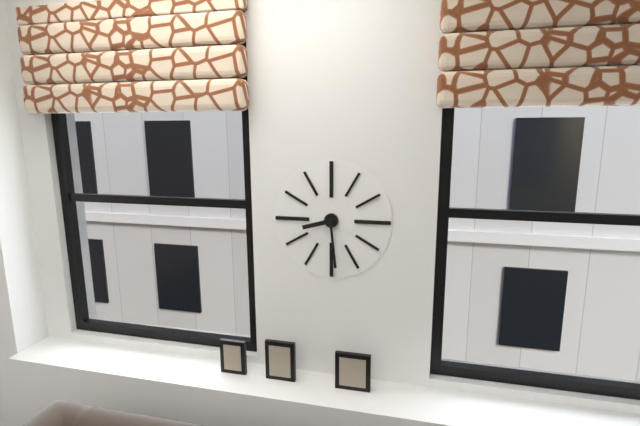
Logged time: 8,29
